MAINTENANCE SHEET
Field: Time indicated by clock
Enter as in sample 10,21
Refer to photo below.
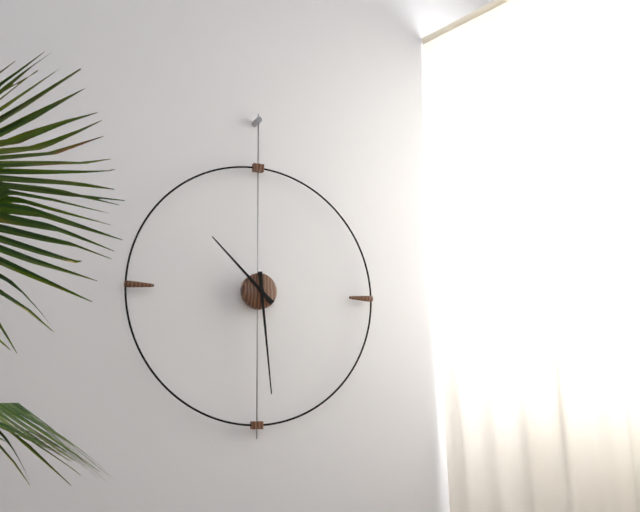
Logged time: 10,29
